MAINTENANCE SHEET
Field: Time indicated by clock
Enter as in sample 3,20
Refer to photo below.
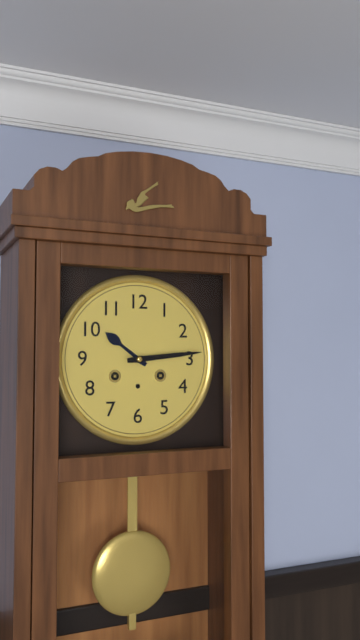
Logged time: 10,14
